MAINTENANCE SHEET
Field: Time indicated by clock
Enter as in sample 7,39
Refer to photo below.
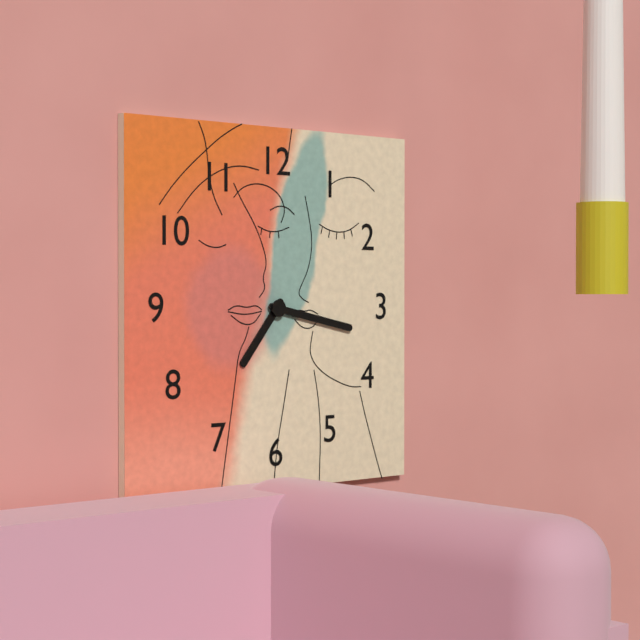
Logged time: 7,17
